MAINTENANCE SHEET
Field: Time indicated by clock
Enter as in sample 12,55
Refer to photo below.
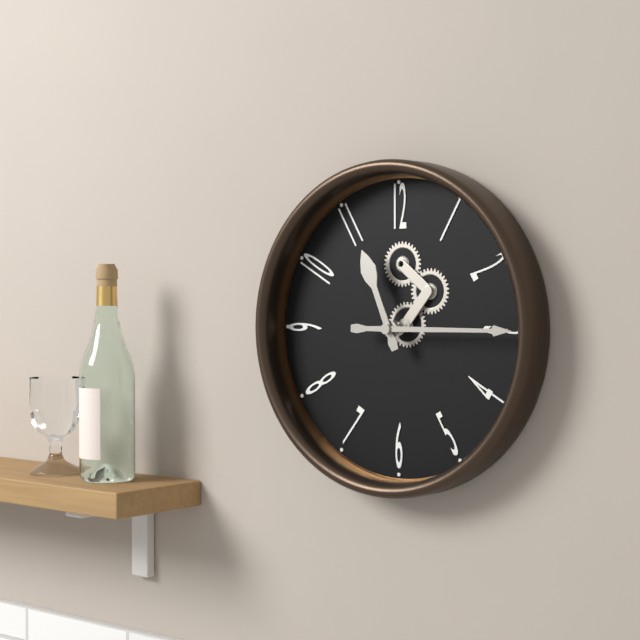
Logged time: 11,15
